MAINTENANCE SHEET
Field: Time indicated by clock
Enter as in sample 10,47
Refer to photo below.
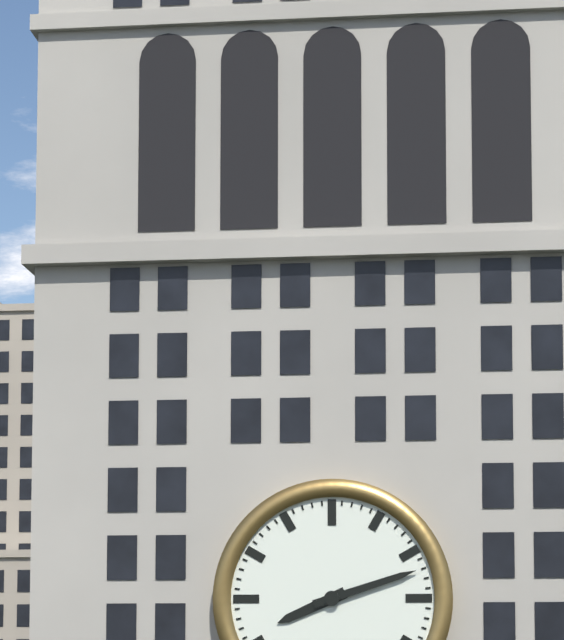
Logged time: 8,12
